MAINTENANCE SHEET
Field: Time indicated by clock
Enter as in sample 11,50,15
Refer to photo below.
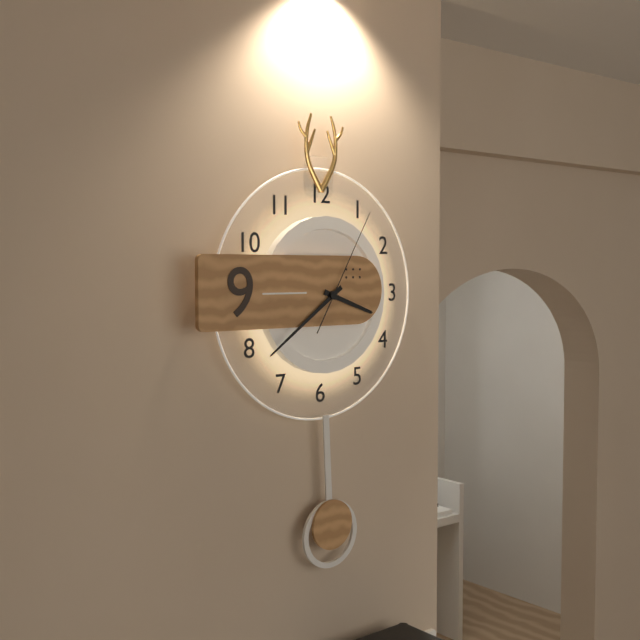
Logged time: 3,39,05
